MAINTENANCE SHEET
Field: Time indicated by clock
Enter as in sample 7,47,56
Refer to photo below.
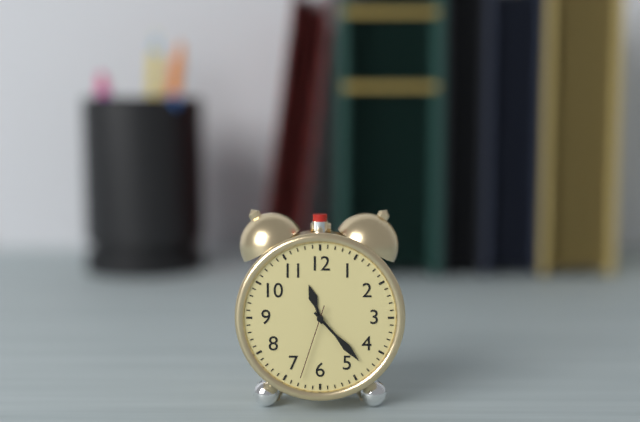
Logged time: 11,23,33
